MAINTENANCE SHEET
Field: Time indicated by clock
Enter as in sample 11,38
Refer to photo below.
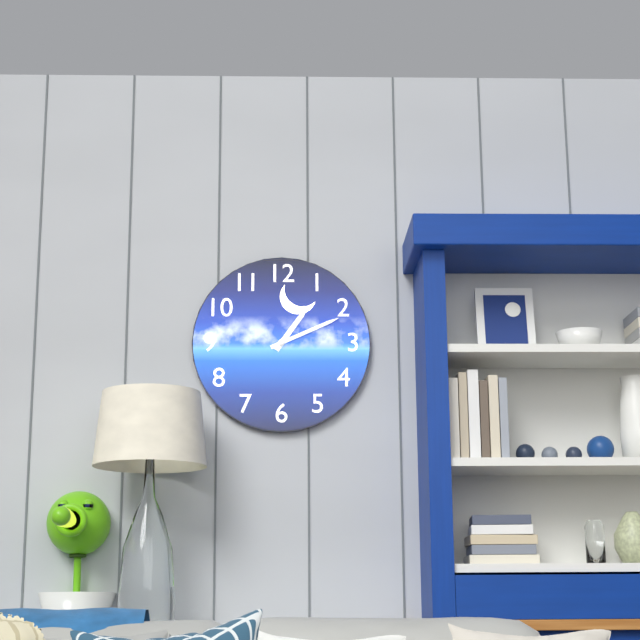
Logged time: 1,11
